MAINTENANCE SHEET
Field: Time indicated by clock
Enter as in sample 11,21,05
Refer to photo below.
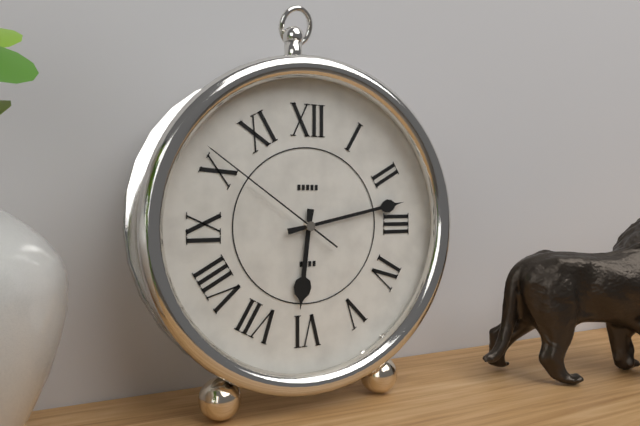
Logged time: 6,13,51
